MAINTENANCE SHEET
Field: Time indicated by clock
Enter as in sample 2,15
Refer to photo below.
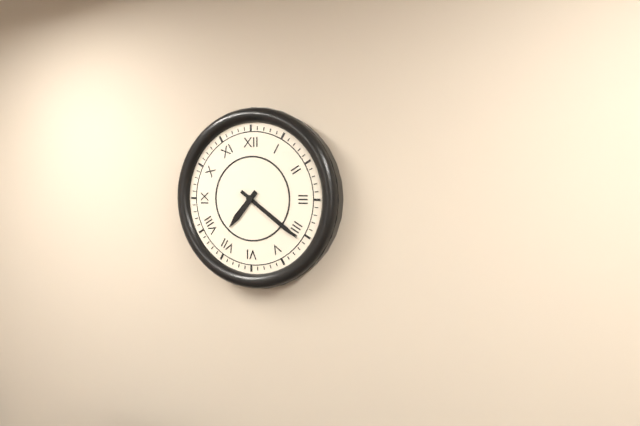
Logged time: 7,21
